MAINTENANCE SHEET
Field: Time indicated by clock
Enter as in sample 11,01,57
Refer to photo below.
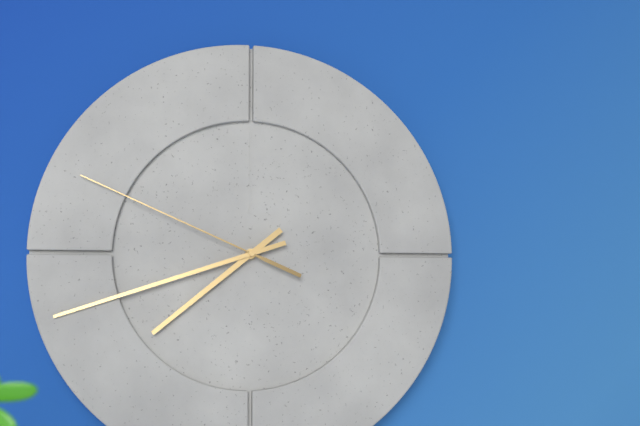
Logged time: 7,42,49
